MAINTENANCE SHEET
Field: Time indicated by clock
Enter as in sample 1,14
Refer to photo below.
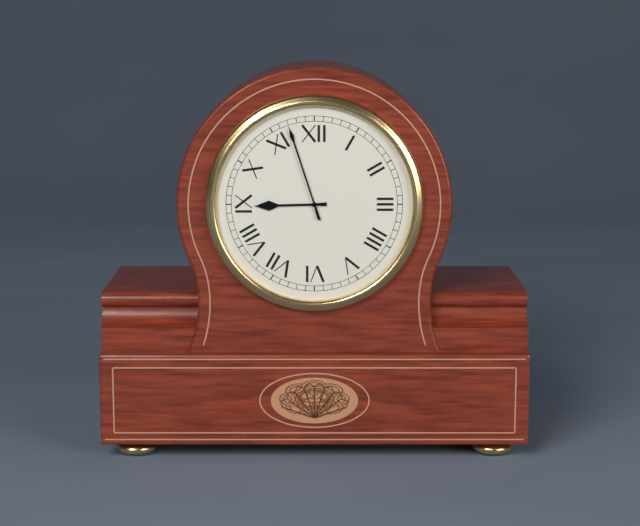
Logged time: 8,57
